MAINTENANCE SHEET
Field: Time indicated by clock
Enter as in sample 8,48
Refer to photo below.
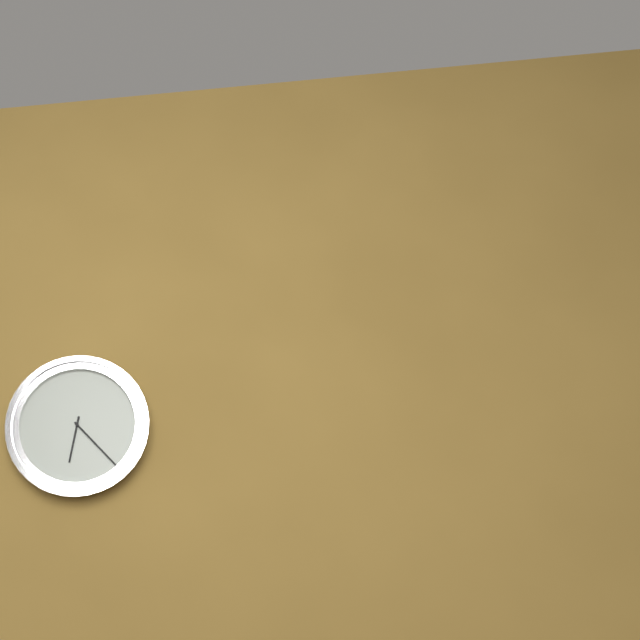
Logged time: 6,23
